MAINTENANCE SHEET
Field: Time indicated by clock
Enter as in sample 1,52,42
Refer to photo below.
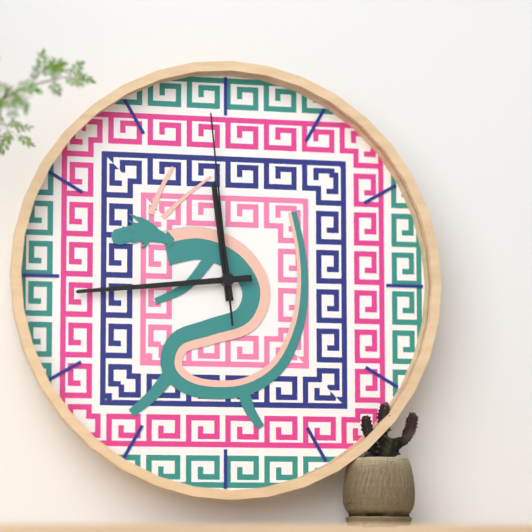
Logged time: 11,44,59
